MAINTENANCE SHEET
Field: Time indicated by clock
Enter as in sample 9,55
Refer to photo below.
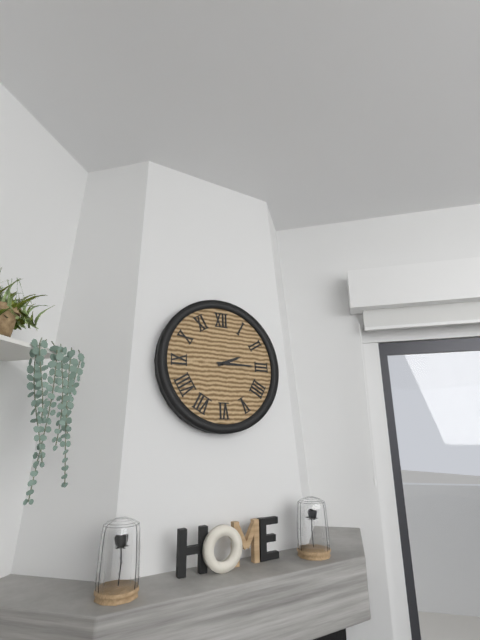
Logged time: 2,15
